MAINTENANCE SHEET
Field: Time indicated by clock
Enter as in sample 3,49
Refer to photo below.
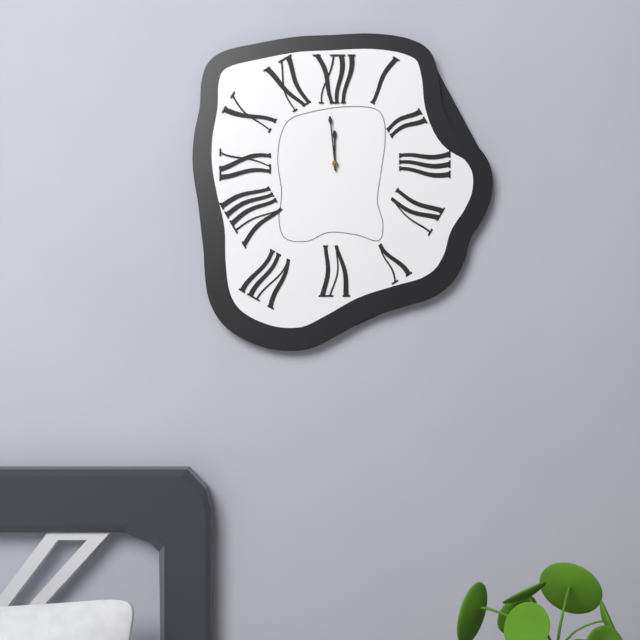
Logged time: 11,59
